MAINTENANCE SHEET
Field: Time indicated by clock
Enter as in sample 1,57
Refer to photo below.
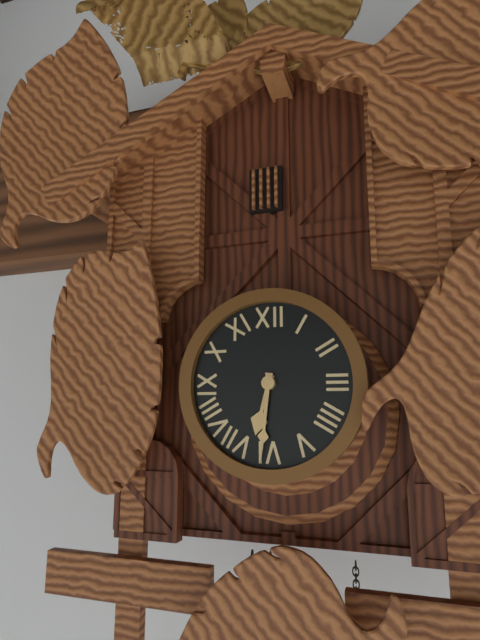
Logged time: 6,31
